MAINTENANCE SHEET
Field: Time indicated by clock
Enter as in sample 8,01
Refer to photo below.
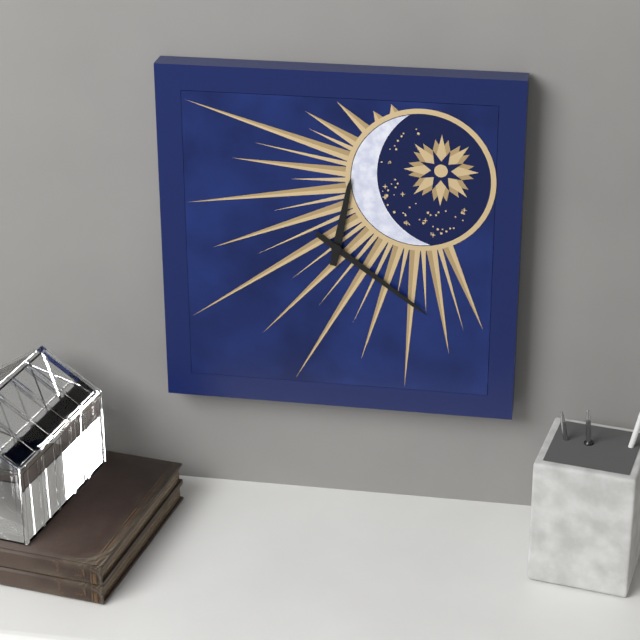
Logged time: 12,21
